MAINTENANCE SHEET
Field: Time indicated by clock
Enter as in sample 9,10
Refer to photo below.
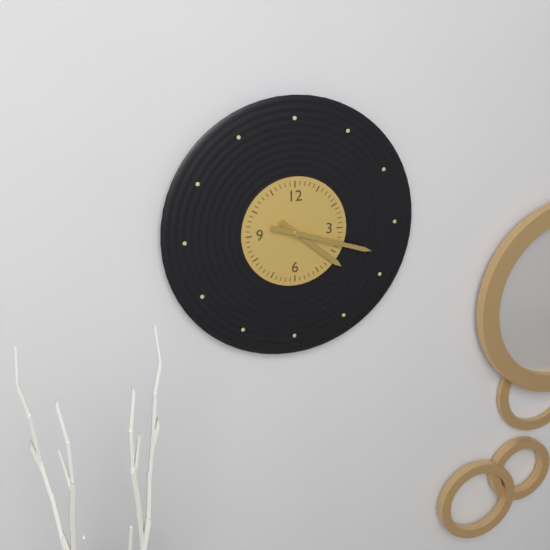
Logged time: 4,18
